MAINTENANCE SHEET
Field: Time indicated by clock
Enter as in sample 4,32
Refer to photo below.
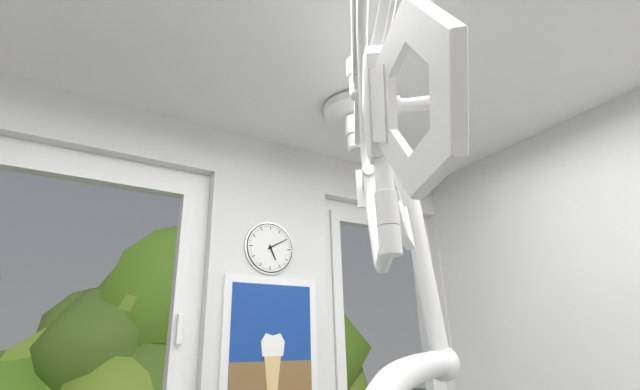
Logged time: 5,10
